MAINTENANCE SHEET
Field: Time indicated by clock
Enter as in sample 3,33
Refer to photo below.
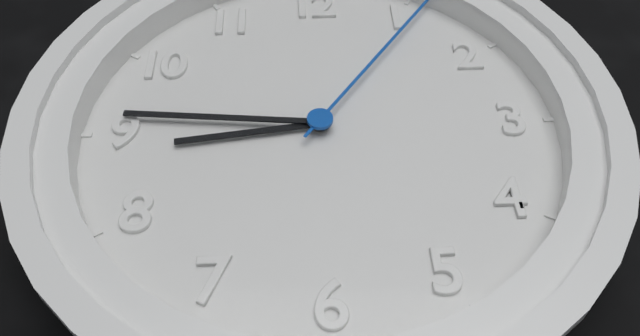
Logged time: 8,46
